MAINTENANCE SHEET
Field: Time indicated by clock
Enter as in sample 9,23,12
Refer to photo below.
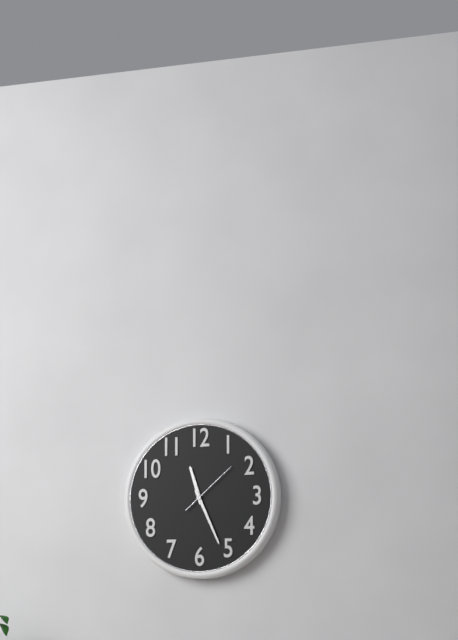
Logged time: 11,26,08
